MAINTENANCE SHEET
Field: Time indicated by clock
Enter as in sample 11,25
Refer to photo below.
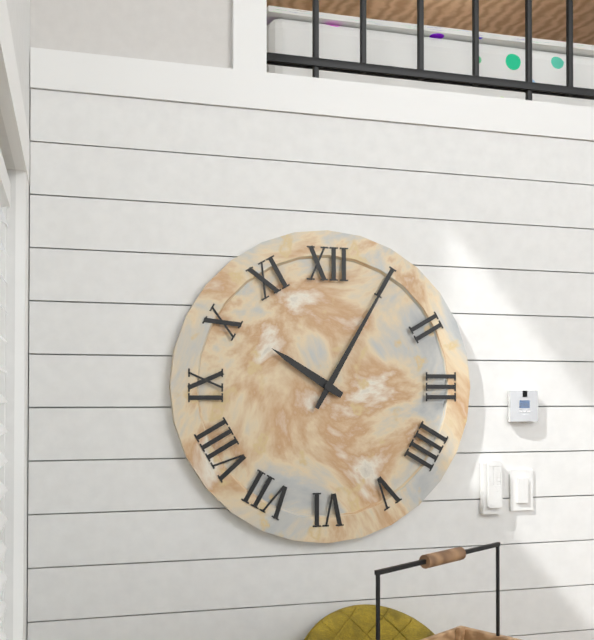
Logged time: 10,05
